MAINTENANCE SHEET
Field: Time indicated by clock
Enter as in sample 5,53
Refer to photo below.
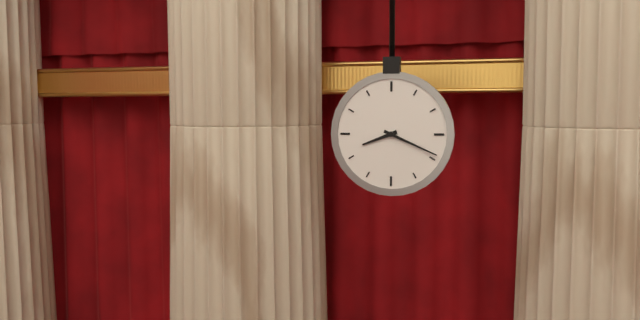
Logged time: 8,19
